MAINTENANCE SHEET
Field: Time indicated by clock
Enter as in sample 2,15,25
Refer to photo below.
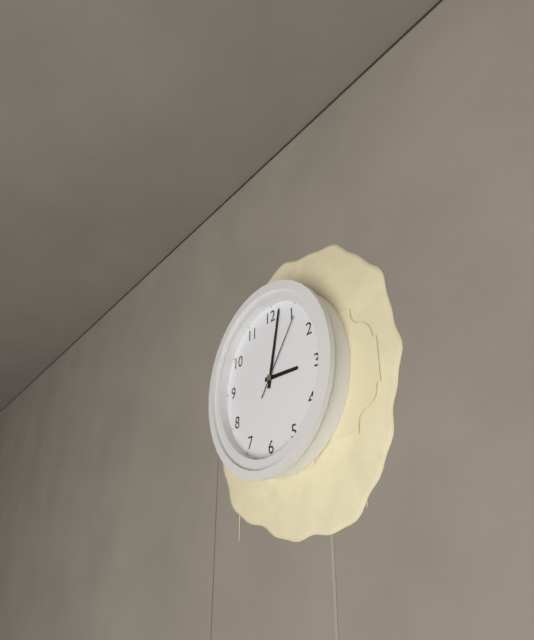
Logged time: 3,02,06
